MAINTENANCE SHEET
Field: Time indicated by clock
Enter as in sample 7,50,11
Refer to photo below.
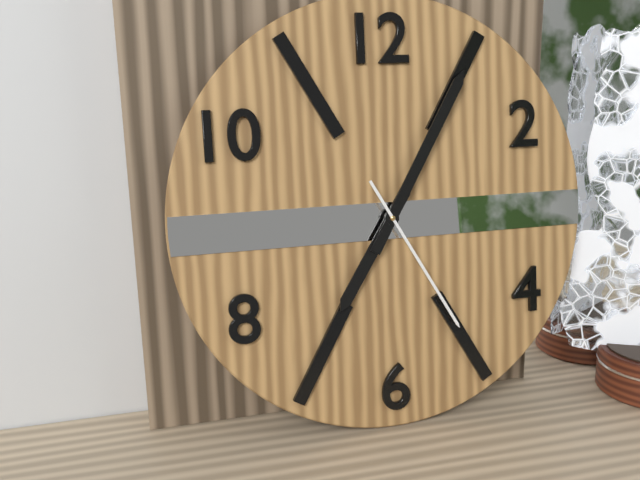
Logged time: 7,05,25
